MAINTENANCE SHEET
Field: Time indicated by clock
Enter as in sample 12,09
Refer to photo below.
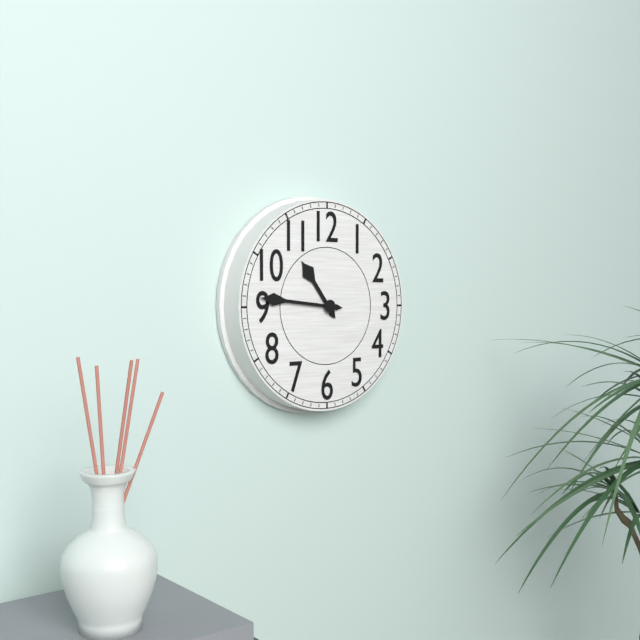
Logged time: 10,46
